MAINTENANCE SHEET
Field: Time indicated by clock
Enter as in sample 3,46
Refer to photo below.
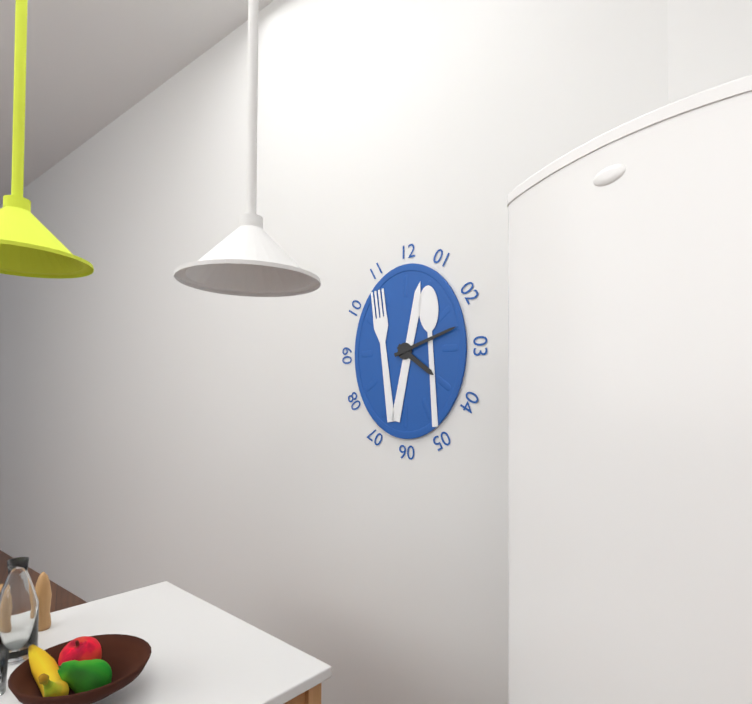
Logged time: 4,12
